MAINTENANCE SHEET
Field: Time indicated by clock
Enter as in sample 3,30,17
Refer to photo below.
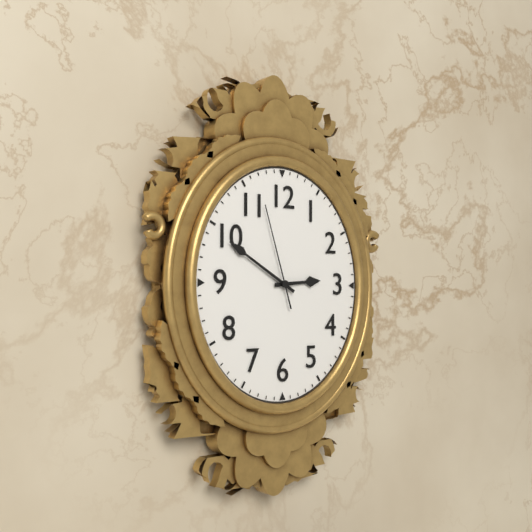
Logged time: 2,50,57
